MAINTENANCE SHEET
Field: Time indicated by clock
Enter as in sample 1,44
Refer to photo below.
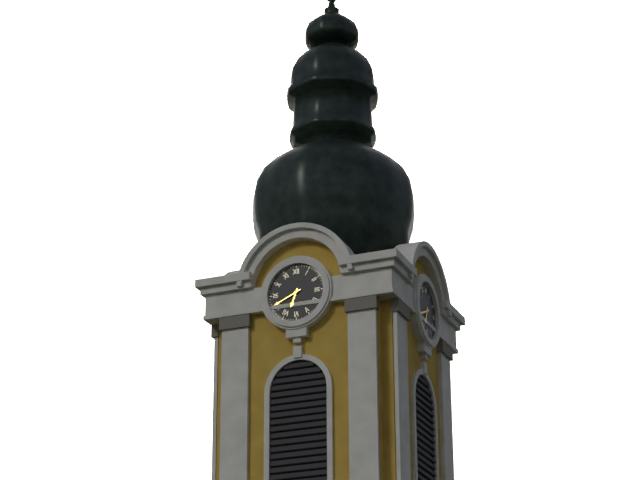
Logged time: 6,41
